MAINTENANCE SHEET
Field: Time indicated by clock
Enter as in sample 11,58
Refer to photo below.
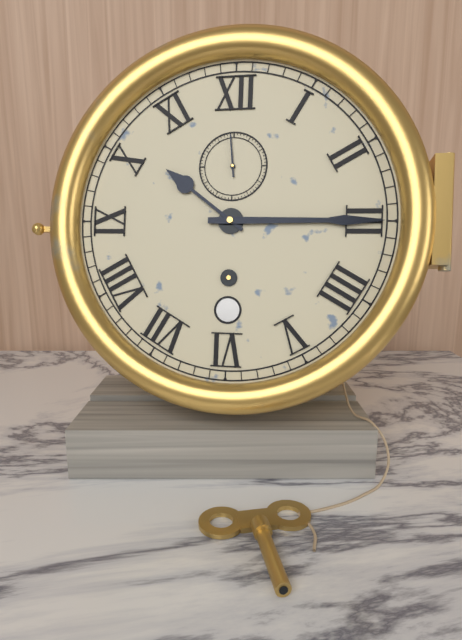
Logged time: 10,15
